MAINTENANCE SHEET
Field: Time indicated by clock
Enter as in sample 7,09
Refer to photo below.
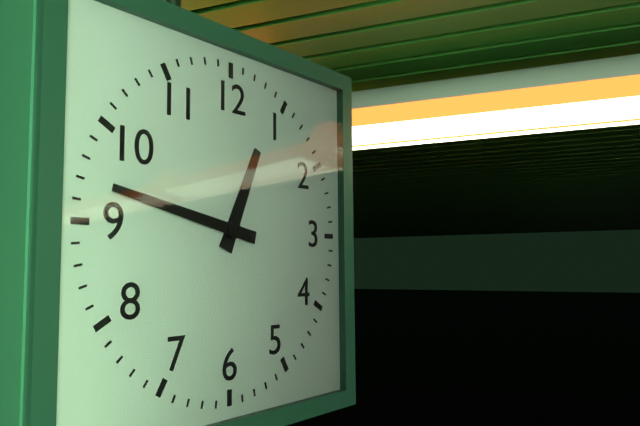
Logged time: 12,47
